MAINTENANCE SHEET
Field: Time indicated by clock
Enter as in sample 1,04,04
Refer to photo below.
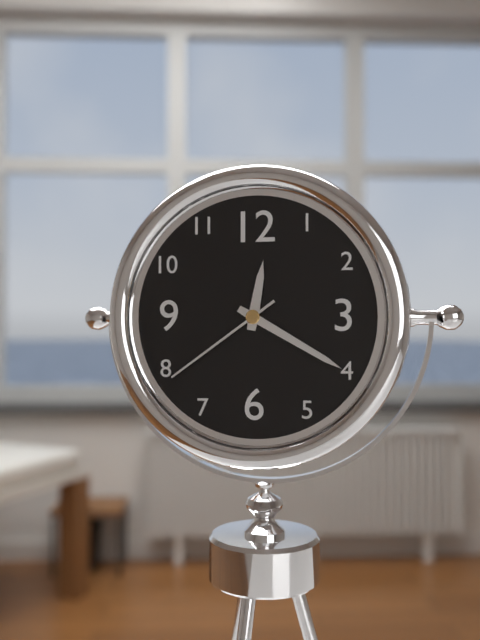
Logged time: 12,20,39
